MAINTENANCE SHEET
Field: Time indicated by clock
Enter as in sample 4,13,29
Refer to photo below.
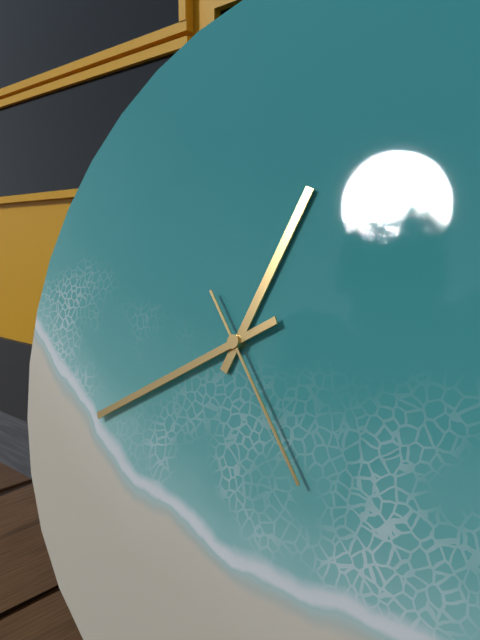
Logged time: 12,40,23
